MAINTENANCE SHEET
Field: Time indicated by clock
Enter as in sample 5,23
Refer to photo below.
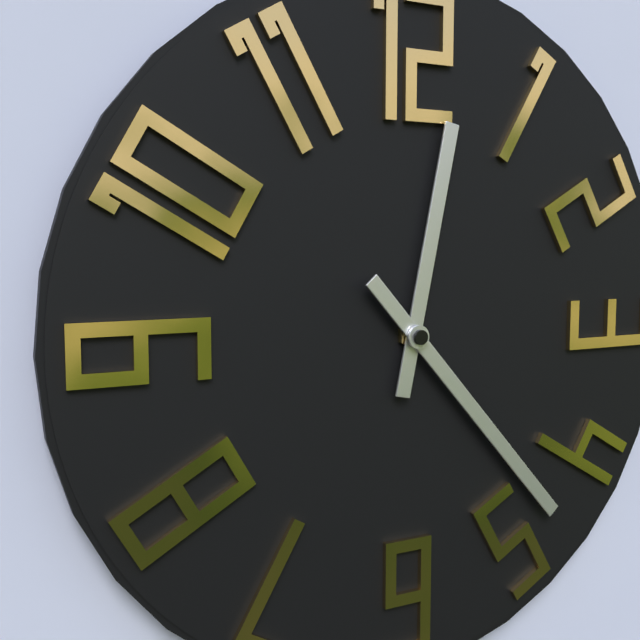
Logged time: 12,23
